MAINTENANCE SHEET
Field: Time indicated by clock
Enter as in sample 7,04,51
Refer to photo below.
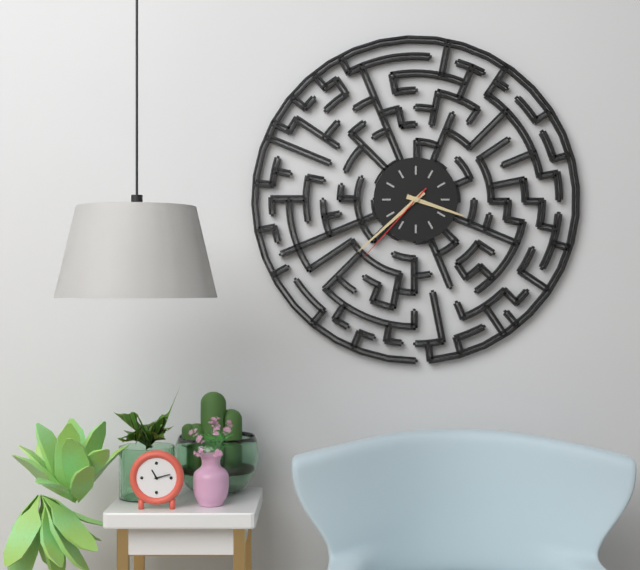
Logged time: 3,38,37
